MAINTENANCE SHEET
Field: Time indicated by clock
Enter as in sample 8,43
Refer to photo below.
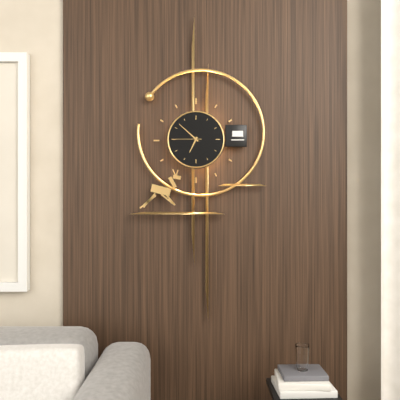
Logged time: 6,52
